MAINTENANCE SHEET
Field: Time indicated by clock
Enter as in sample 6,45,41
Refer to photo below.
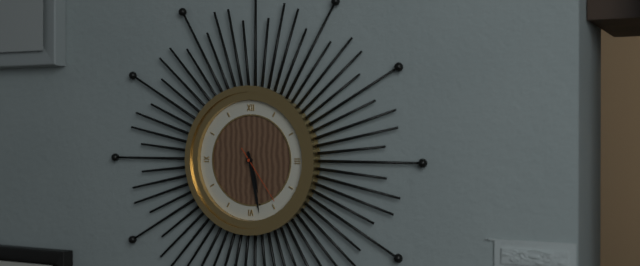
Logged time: 5,28,24
